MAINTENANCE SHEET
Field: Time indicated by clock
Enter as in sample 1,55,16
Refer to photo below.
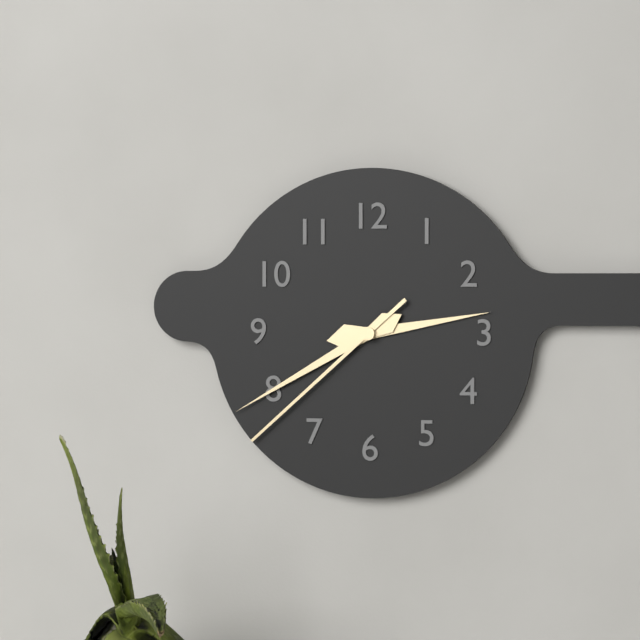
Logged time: 2,40,38
